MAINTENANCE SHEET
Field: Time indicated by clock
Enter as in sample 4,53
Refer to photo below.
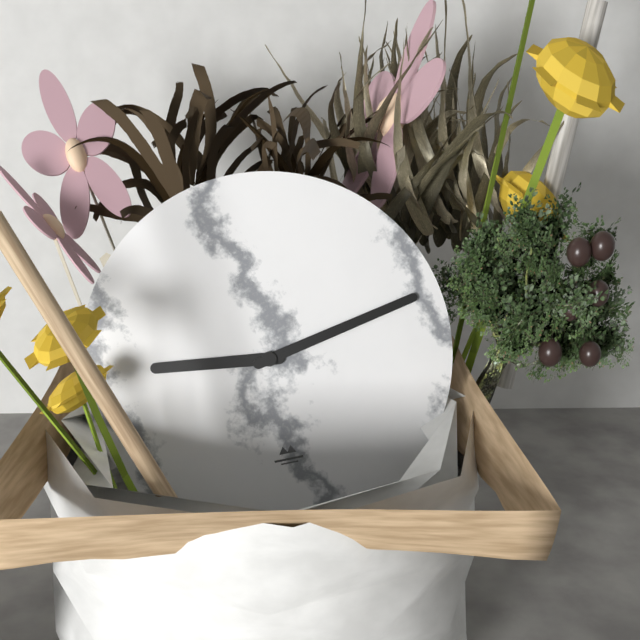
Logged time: 9,13
